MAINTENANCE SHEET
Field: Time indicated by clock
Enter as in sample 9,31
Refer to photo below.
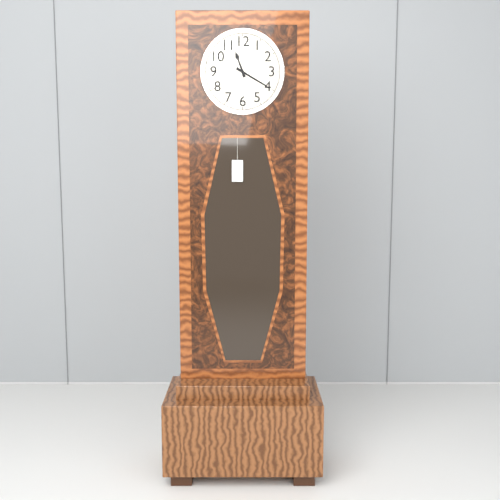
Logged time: 11,20
